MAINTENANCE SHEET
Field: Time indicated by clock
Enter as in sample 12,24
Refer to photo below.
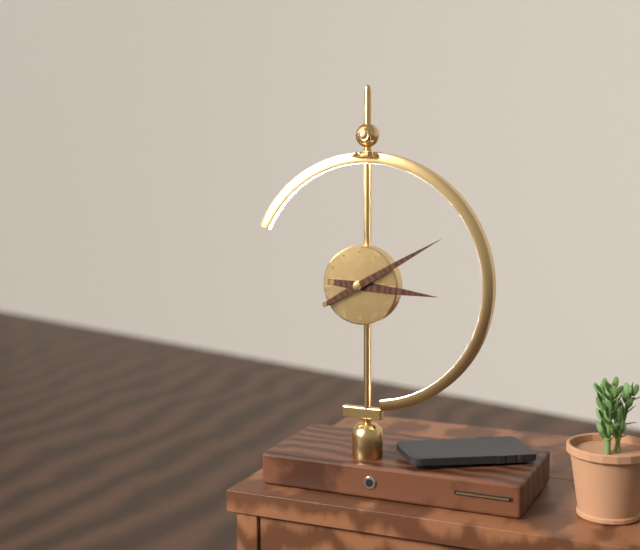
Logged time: 3,10
